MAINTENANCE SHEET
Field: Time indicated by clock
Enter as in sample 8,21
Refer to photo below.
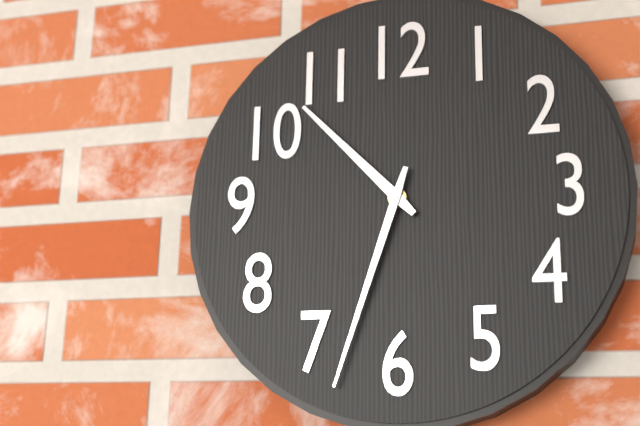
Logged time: 10,33
